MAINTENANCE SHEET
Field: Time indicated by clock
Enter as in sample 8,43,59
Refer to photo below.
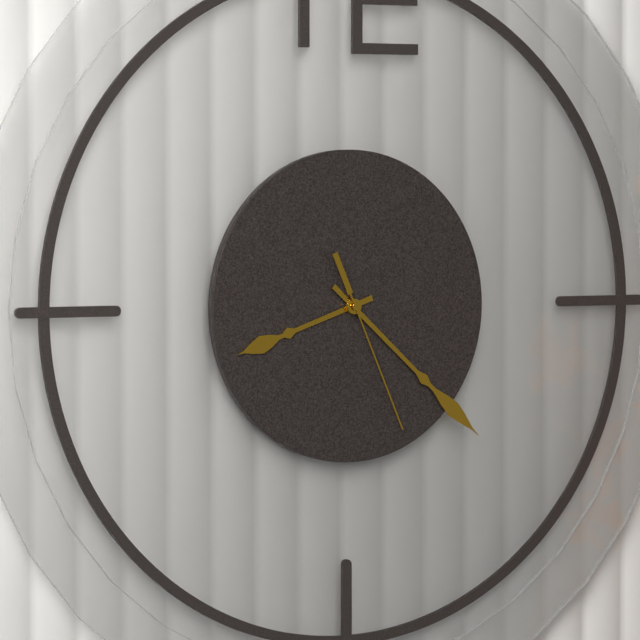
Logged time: 8,22,26
